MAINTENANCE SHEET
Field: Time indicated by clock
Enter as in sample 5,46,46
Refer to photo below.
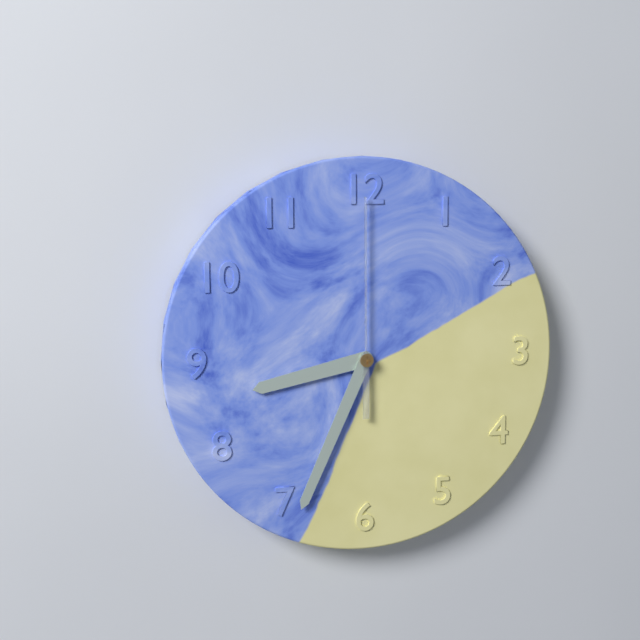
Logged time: 8,34,00
